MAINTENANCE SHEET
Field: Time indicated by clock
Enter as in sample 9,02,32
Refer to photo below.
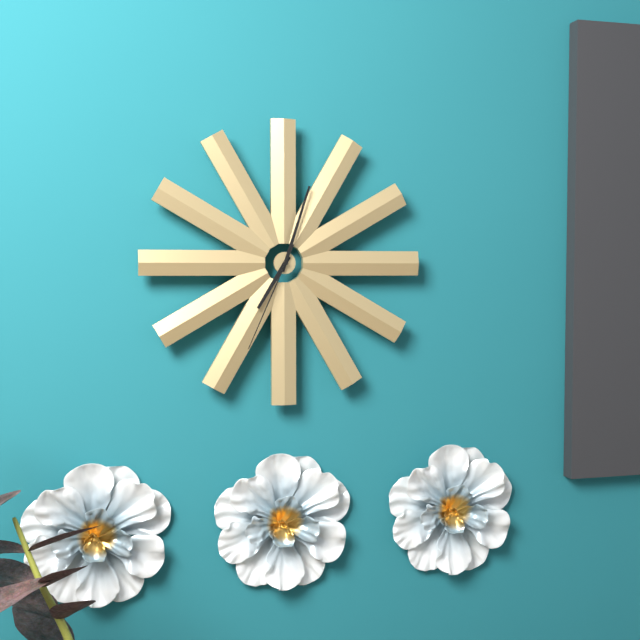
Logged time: 7,03,34
